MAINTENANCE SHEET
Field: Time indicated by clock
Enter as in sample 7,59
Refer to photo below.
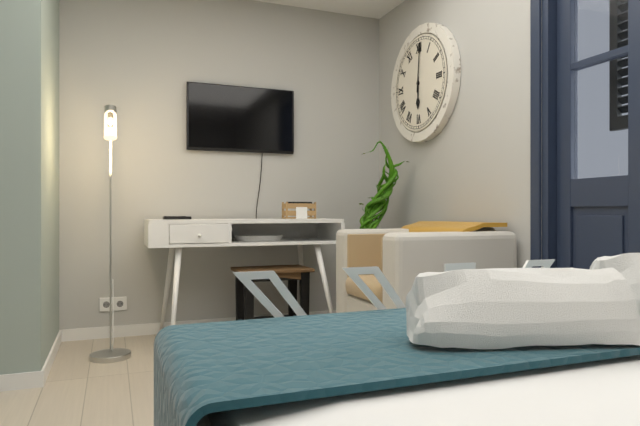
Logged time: 6,01
